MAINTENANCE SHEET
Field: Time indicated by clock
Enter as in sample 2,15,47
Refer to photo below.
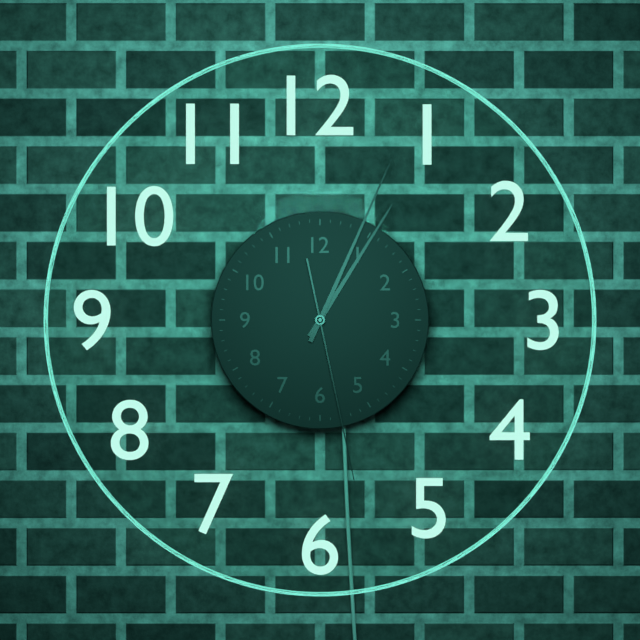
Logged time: 1,04,28
